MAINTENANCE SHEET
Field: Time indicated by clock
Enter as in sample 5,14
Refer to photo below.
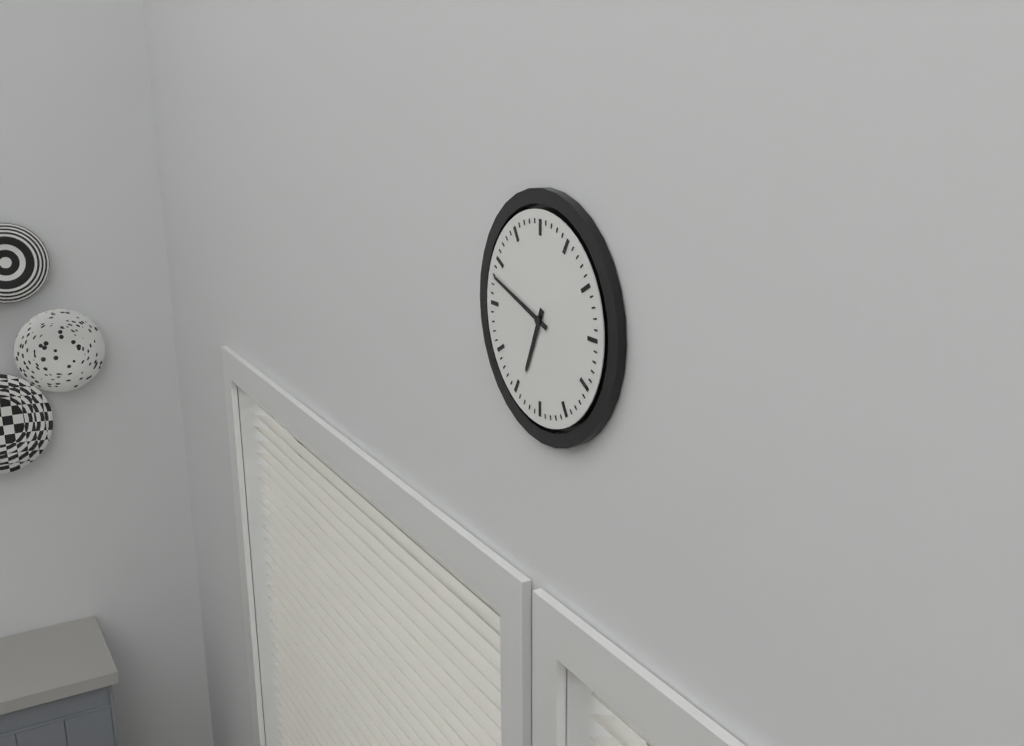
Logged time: 6,48
